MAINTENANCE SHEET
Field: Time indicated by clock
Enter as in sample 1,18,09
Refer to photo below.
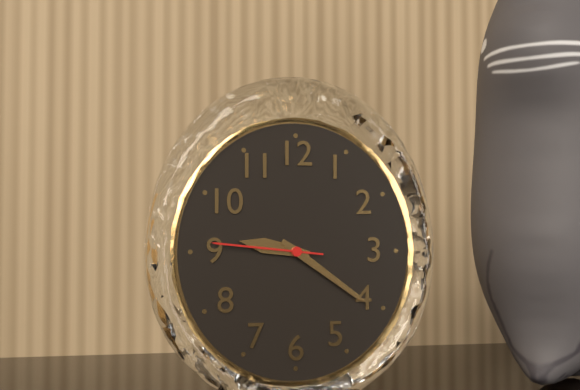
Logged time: 9,21,46
